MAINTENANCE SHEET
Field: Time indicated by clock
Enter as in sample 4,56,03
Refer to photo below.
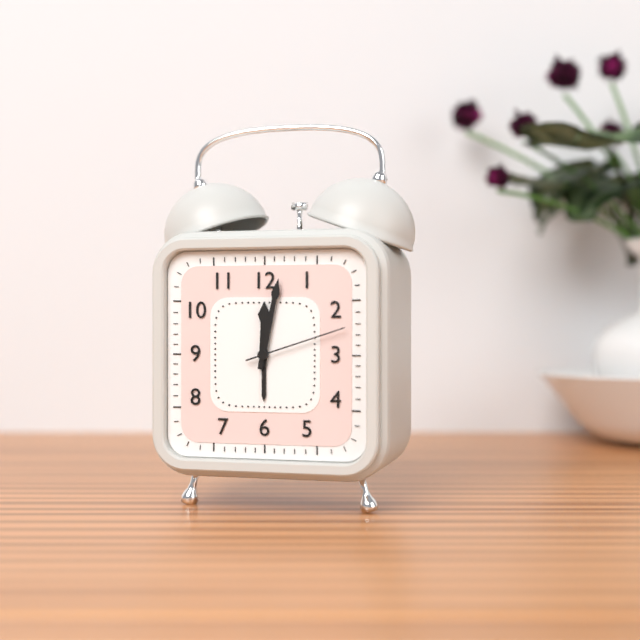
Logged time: 12,02,12
